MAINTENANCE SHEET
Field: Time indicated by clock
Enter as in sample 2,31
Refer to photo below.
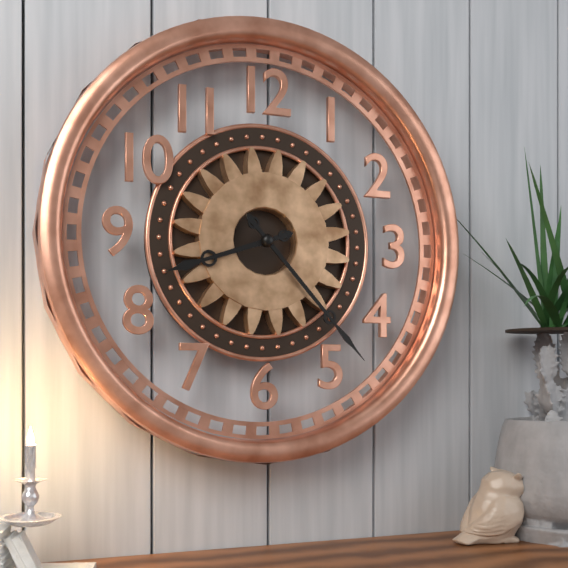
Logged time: 8,23
